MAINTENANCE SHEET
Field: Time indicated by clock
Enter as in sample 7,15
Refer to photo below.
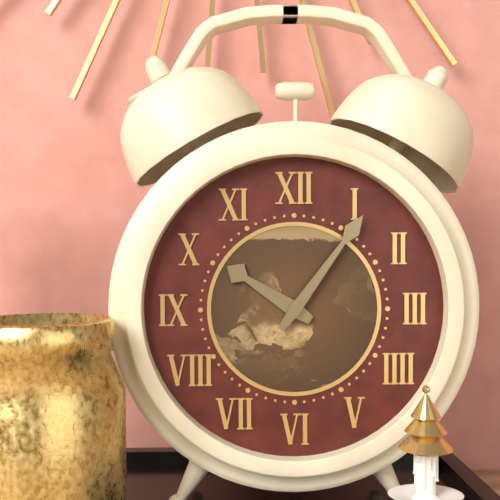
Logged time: 10,06
